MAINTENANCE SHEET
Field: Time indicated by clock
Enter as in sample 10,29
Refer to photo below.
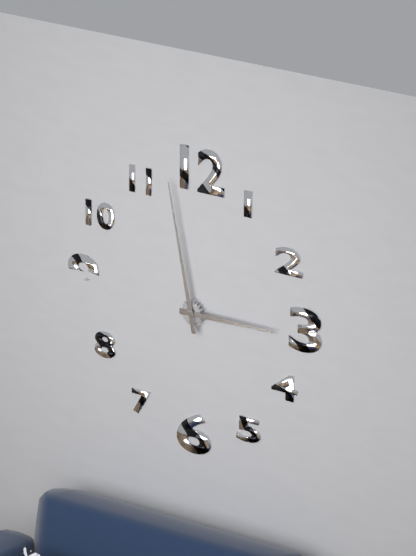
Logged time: 2,58
